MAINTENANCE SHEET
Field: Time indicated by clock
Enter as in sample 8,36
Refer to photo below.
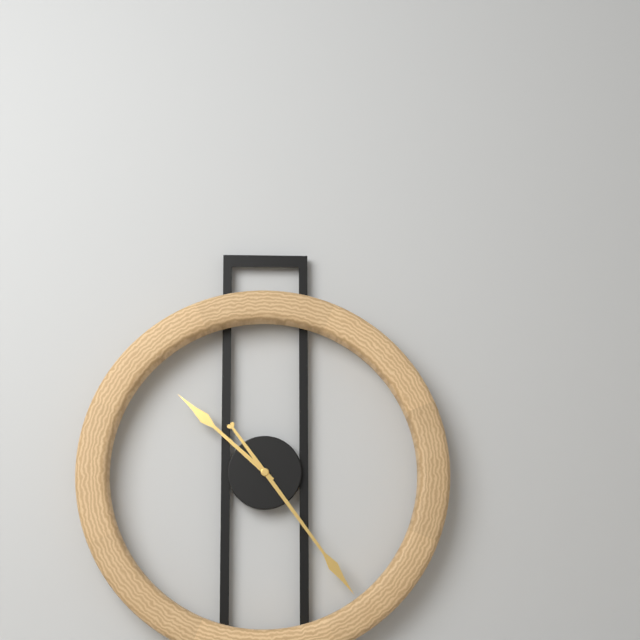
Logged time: 10,24
